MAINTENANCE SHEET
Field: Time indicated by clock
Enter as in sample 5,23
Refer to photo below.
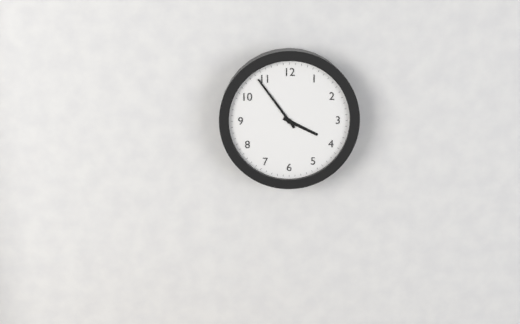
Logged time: 3,54
